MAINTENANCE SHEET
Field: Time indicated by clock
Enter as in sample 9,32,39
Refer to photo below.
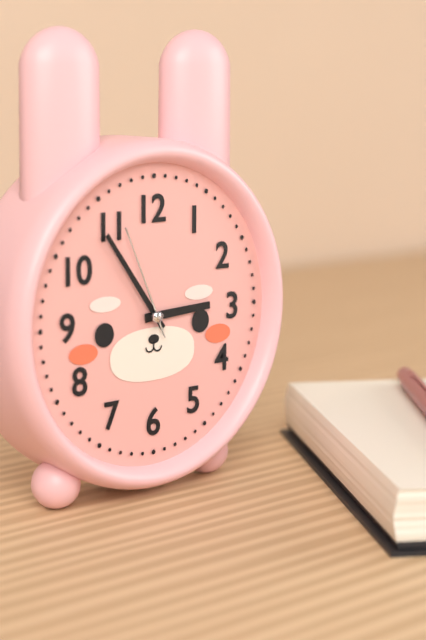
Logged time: 2,54,56
